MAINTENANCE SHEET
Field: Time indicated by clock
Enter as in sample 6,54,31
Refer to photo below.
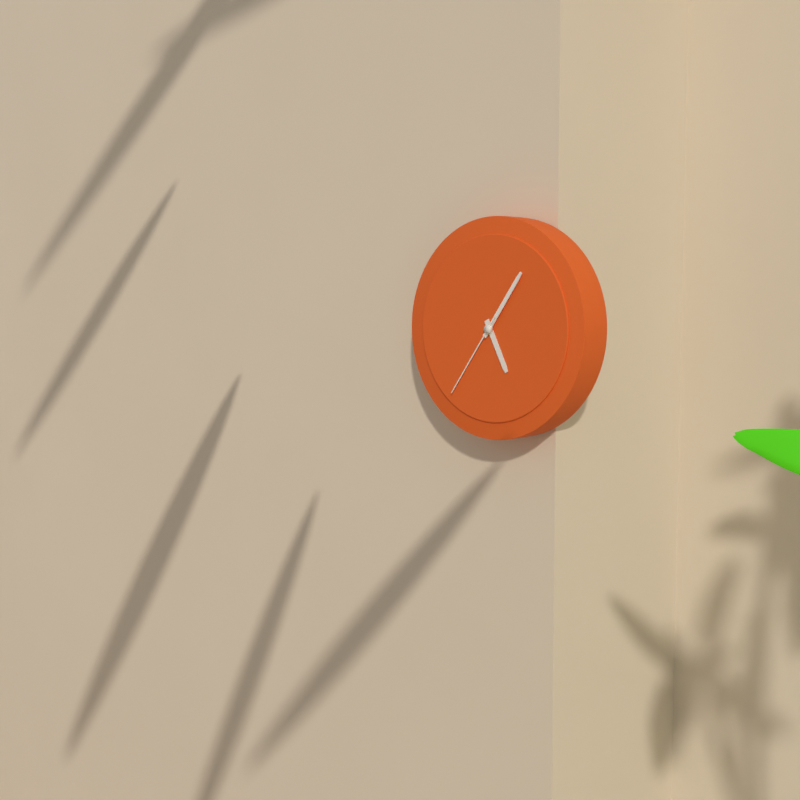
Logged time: 5,06,36
